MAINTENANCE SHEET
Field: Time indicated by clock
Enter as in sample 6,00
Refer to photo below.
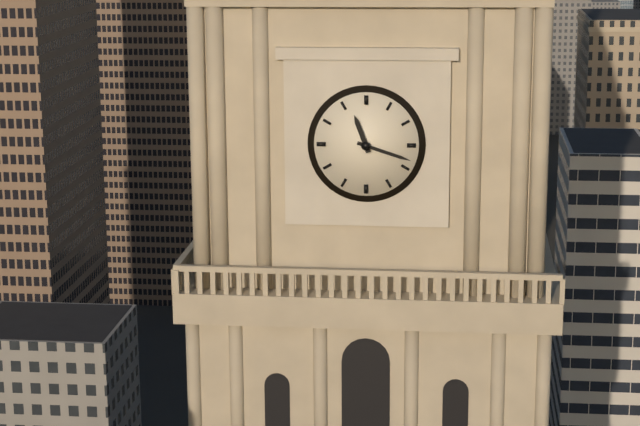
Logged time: 11,18
